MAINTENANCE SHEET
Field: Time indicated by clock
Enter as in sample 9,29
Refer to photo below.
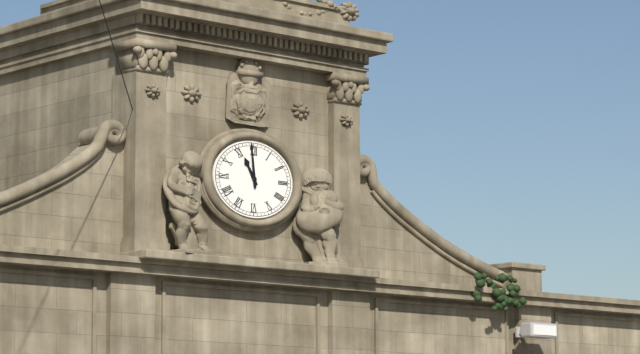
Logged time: 10,59
